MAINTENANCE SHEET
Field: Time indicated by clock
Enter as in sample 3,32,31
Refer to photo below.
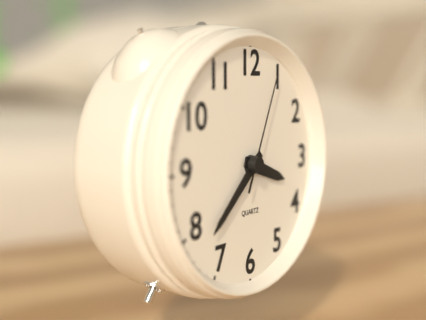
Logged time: 3,38,04
